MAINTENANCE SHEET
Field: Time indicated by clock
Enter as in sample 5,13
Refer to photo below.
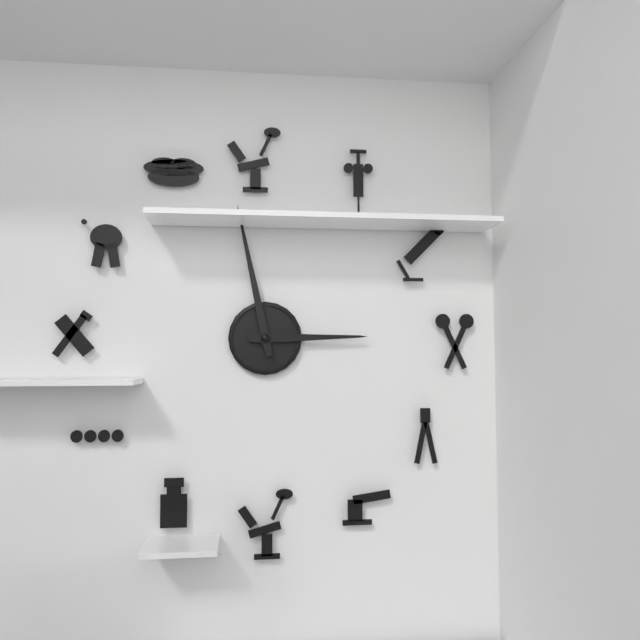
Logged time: 2,58
